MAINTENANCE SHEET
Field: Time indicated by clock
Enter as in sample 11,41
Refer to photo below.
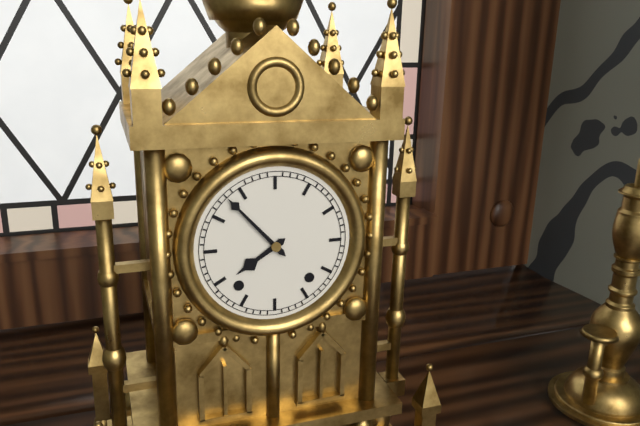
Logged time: 7,53
